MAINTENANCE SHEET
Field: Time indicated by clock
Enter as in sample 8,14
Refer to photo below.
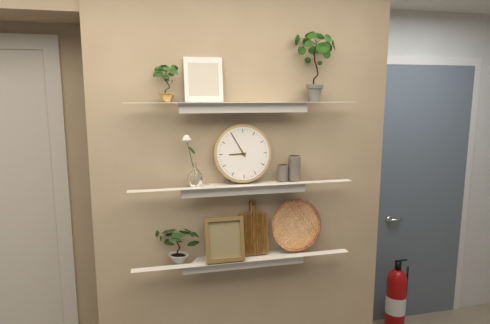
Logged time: 8,55
